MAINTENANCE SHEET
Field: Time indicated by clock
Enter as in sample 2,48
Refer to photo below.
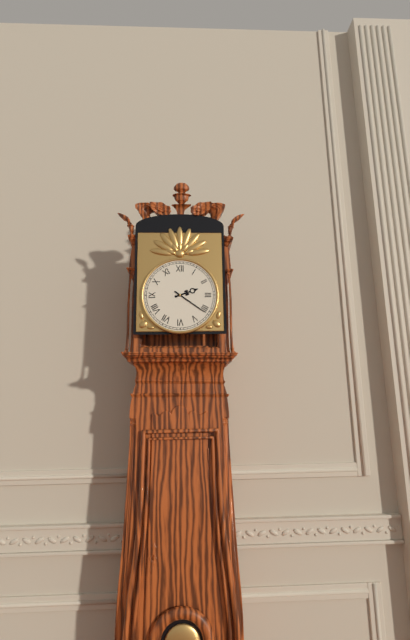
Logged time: 2,21
